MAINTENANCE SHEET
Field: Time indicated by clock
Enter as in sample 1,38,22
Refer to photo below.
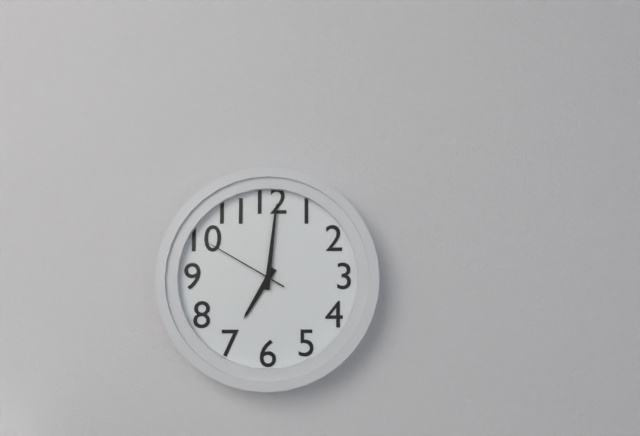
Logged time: 7,01,50
